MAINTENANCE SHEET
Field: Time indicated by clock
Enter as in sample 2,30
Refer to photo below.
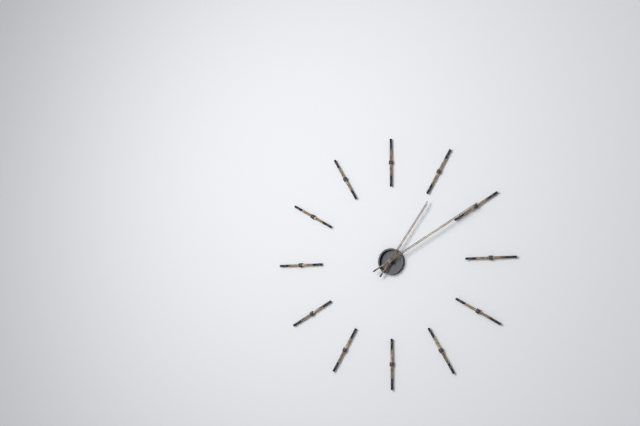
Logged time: 1,10
